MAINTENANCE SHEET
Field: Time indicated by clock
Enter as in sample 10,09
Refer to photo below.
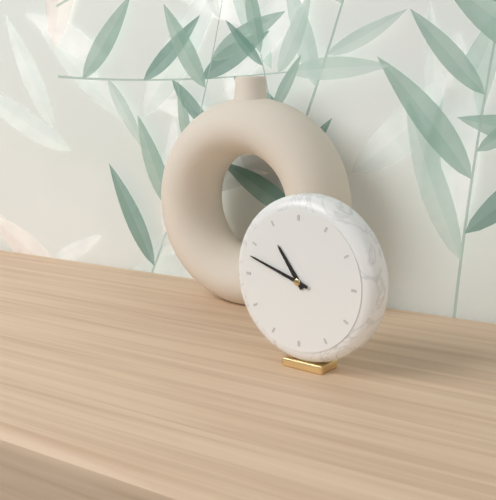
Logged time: 10,48
